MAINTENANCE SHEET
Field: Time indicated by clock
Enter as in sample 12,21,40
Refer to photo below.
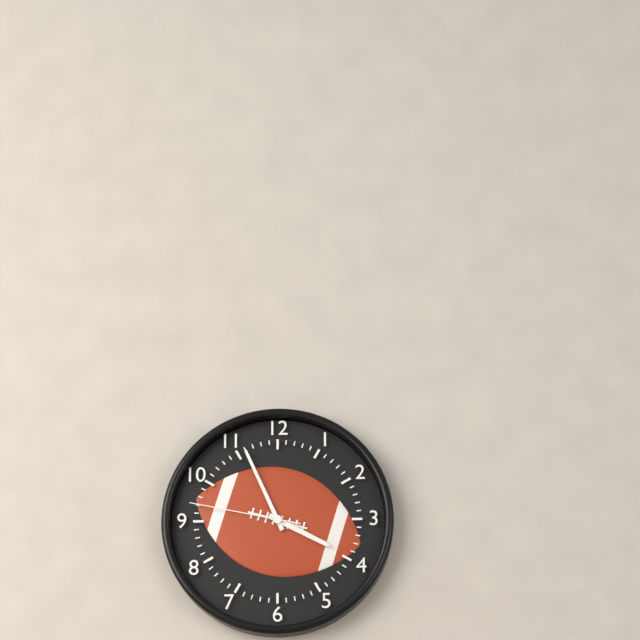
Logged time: 3,56,47
